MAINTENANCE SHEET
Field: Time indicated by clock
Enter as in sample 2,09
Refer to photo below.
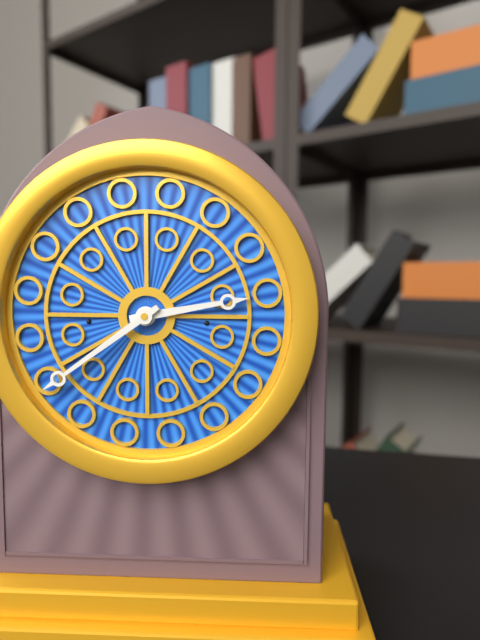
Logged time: 2,39
